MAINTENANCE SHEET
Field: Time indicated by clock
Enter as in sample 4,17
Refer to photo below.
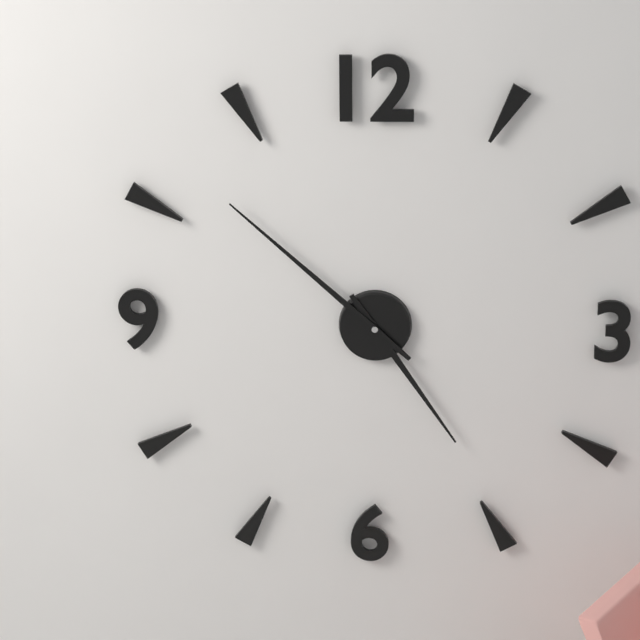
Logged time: 4,52
